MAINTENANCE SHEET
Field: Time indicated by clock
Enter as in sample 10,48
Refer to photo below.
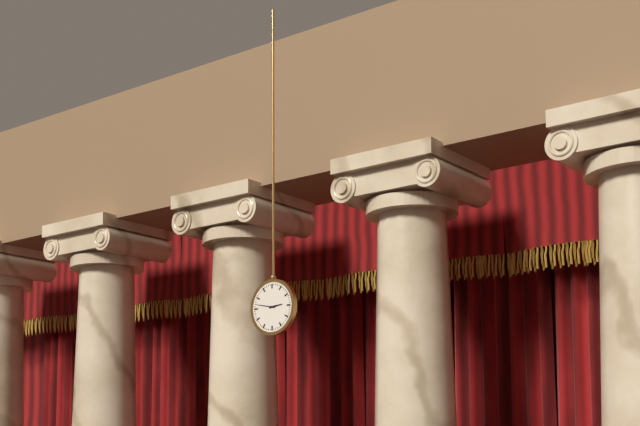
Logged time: 2,47
